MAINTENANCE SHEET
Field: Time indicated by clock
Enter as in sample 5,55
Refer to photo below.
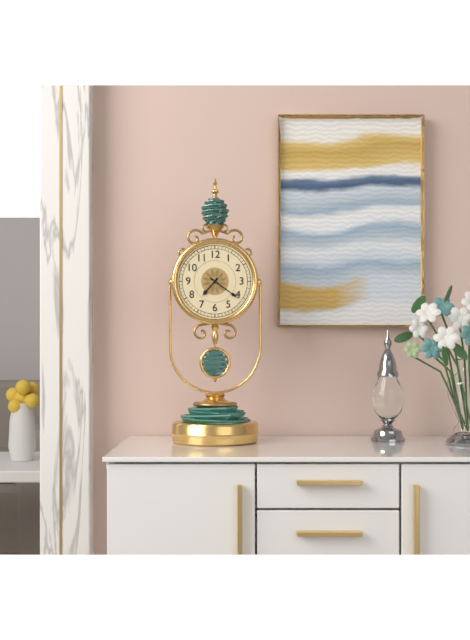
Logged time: 7,21
